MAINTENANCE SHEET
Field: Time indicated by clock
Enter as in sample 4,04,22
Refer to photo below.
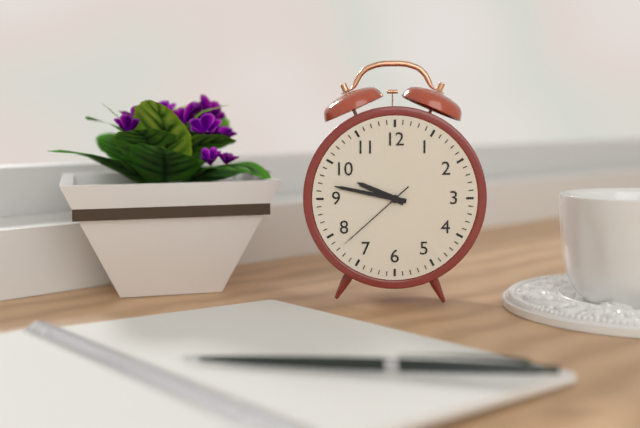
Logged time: 9,47,38
